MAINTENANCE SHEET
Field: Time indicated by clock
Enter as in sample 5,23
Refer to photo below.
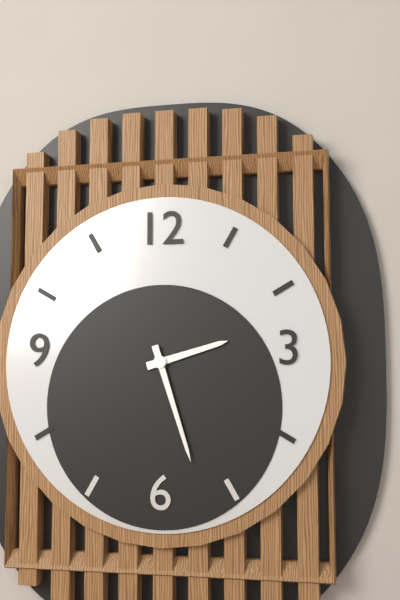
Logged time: 2,27
